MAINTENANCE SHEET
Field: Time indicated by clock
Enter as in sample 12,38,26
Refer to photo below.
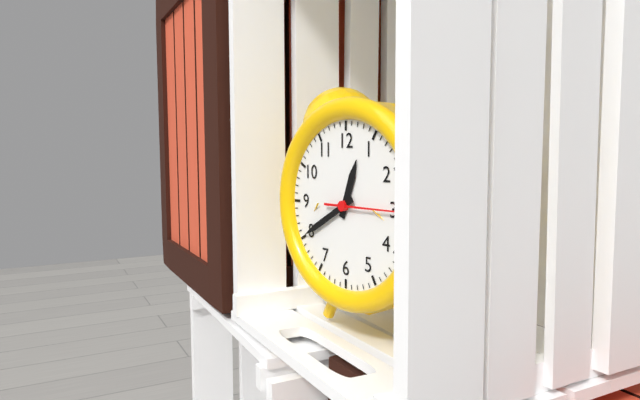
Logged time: 12,40,15
